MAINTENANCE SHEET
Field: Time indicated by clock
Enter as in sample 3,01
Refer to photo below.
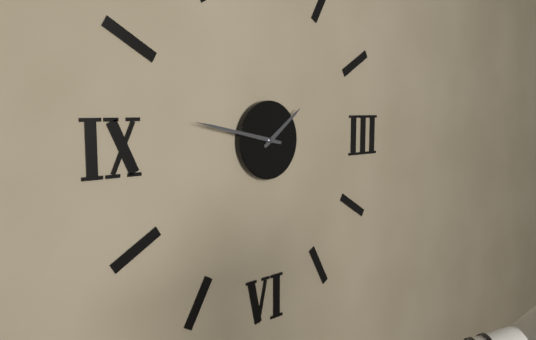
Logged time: 1,47
